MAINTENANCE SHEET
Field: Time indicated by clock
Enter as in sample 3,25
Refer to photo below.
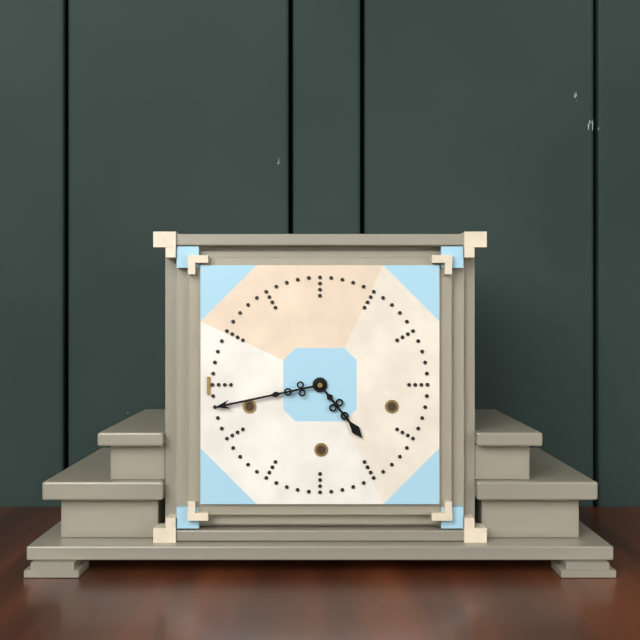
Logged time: 4,43
